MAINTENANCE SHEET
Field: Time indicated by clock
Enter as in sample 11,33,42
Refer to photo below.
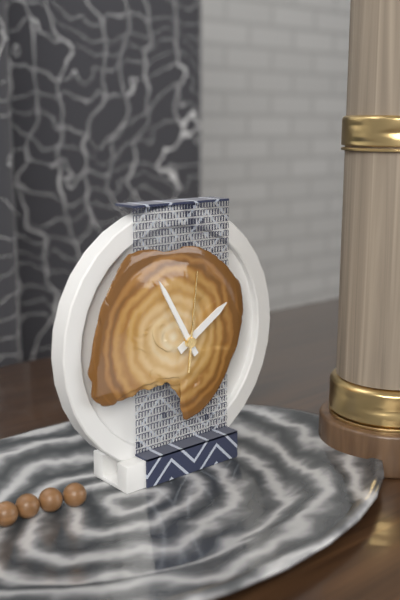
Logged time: 1,55,01
